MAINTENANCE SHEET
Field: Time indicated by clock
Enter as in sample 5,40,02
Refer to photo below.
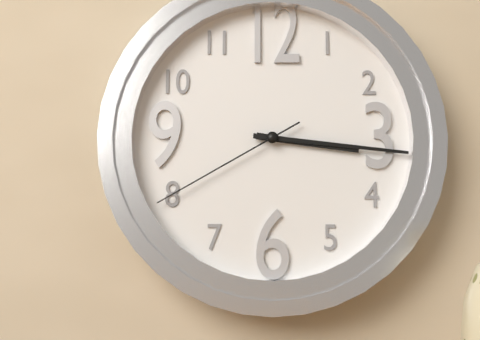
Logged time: 3,16,40
